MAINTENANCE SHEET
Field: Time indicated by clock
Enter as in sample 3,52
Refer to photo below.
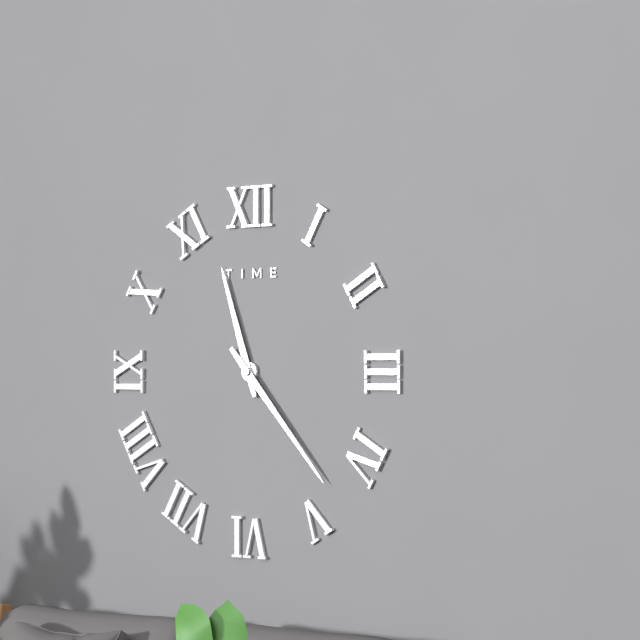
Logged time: 11,23
